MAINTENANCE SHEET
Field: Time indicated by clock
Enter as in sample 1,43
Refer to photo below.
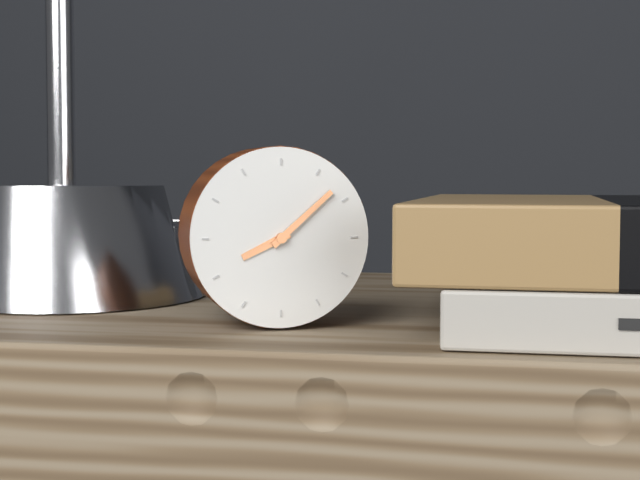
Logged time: 8,08
